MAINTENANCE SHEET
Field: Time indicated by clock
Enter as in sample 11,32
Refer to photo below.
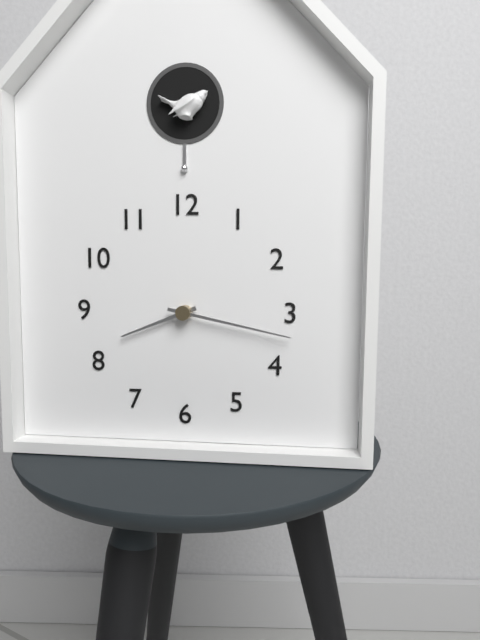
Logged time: 8,17
